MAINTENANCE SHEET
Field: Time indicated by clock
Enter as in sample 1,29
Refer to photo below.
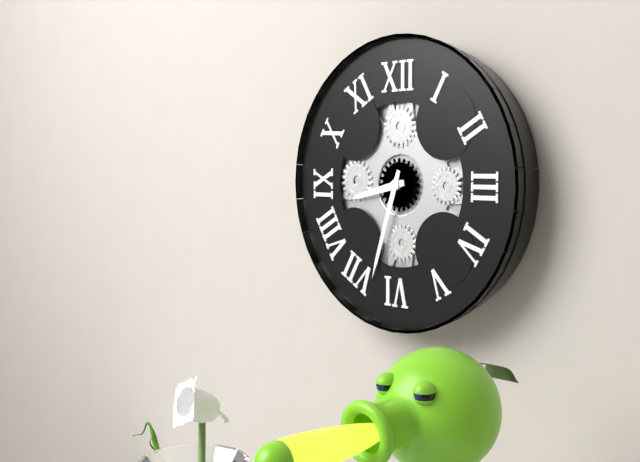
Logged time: 8,33
